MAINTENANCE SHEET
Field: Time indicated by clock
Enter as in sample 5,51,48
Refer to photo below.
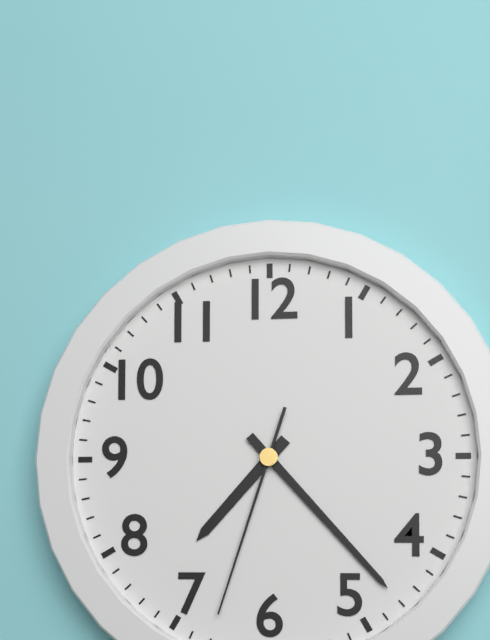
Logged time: 7,23,33
